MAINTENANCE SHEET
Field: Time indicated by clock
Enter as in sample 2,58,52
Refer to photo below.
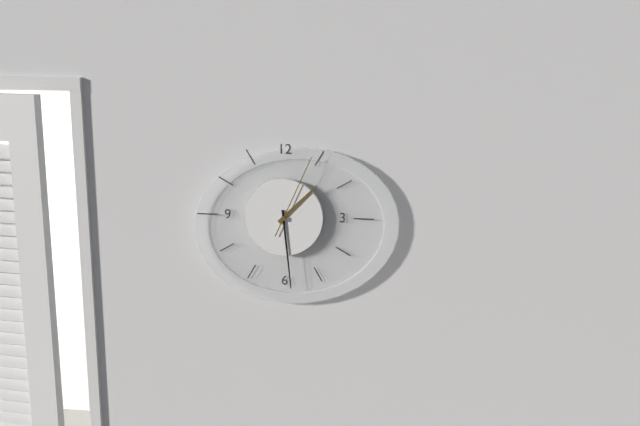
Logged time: 1,29,04
